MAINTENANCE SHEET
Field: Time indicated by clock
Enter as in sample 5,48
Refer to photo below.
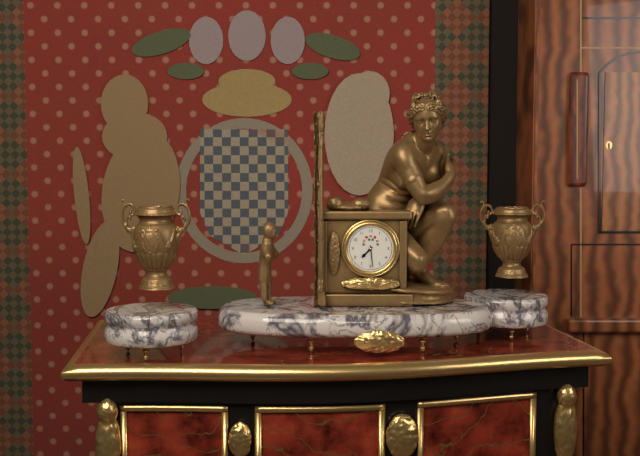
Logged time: 7,29
